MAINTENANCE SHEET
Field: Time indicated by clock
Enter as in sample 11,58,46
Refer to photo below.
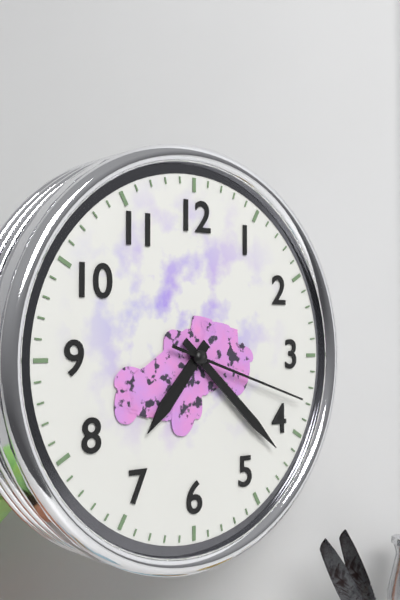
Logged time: 7,22,18
